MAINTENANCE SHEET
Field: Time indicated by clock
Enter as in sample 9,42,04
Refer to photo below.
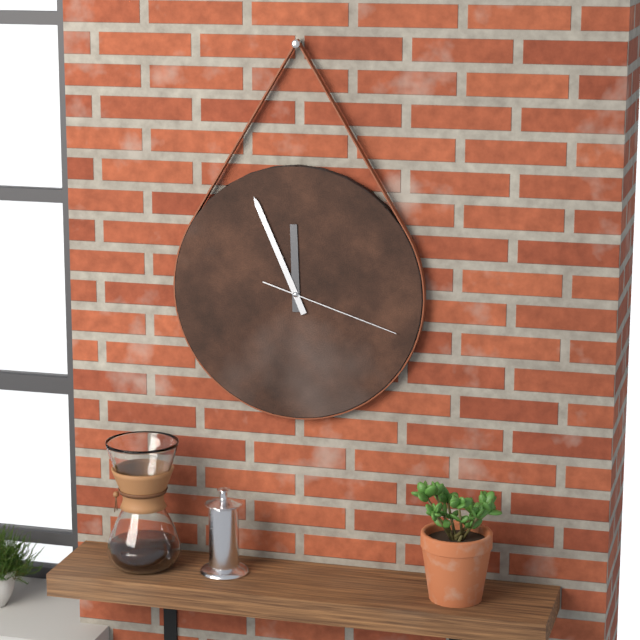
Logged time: 11,56,18
